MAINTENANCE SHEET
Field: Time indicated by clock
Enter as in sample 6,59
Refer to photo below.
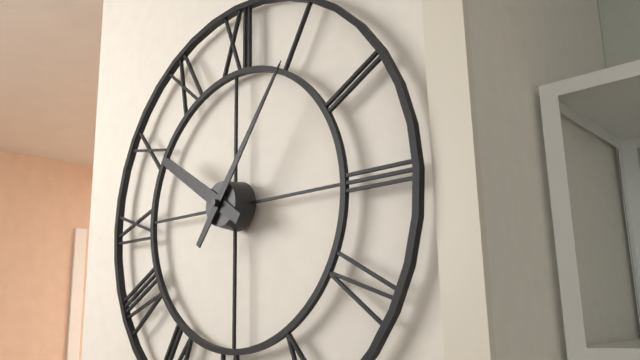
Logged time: 10,06
